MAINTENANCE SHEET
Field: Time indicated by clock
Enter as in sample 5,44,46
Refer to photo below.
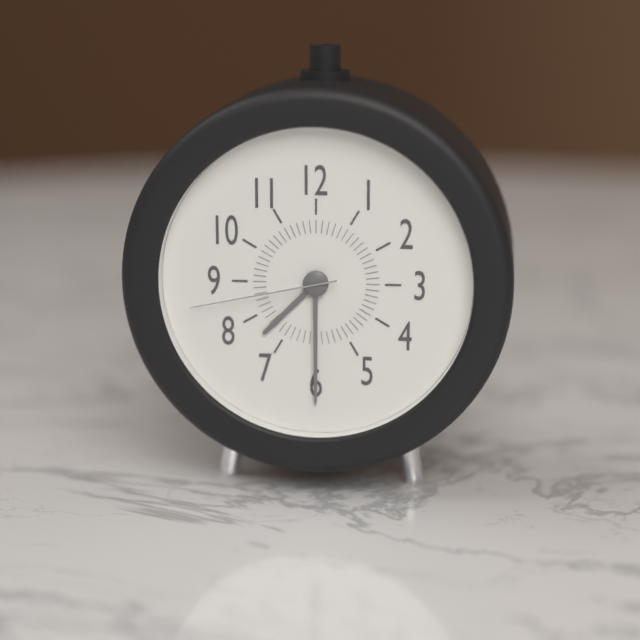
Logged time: 7,30,43
